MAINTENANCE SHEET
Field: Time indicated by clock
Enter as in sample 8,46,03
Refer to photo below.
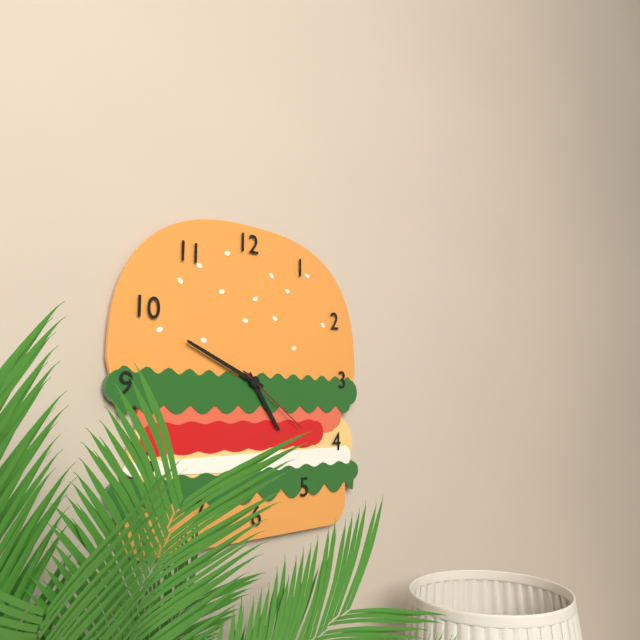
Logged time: 4,49,21
